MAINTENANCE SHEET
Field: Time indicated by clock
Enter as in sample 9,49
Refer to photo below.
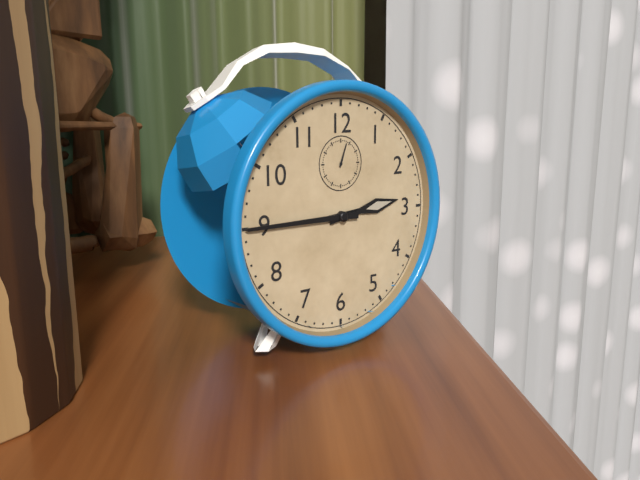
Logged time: 2,45
